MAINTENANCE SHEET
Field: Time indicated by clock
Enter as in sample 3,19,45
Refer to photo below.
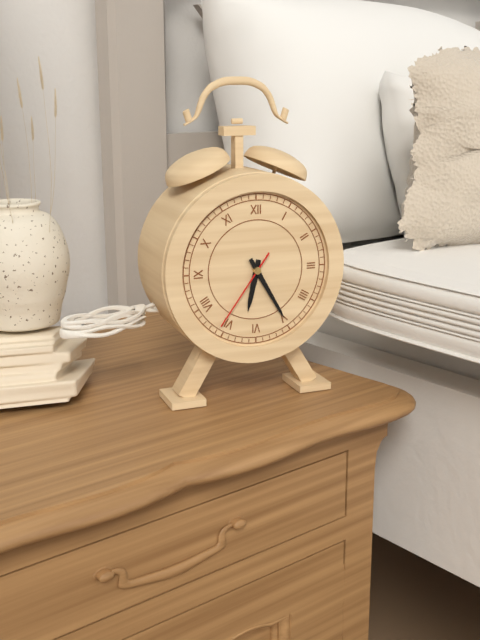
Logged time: 6,25,36
